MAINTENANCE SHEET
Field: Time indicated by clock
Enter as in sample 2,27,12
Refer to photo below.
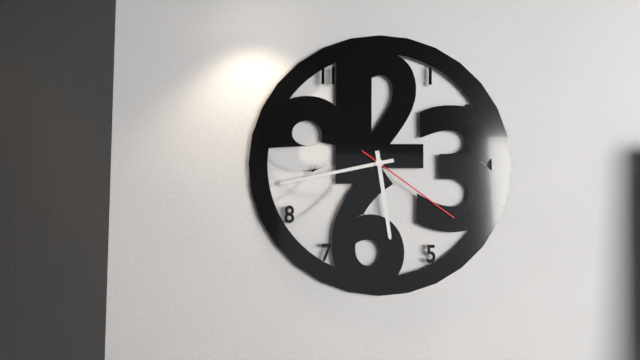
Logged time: 5,43,21
